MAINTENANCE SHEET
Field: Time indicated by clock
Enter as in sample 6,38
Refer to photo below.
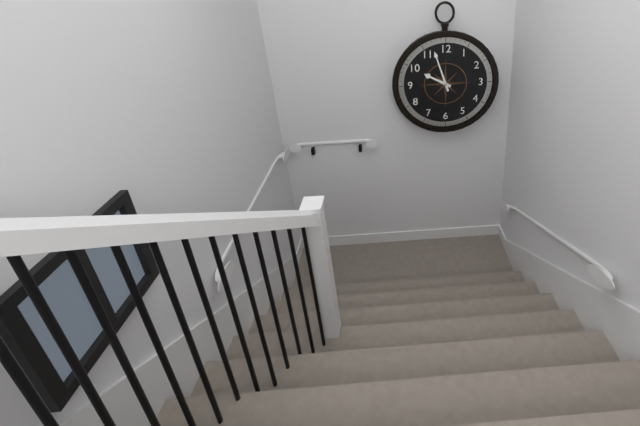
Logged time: 9,57
